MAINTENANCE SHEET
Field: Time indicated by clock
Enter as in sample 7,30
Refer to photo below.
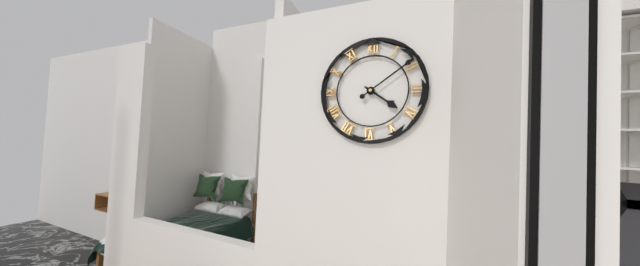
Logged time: 4,09
